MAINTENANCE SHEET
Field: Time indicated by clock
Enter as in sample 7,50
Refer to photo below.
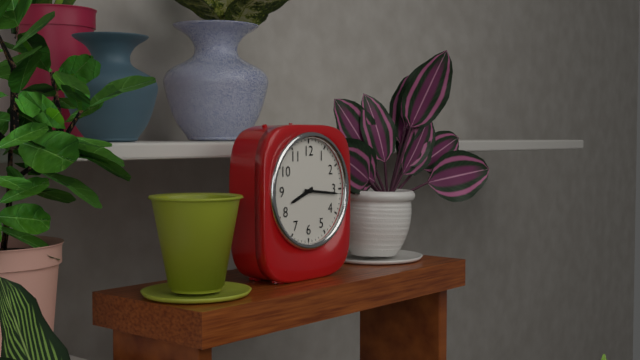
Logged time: 8,16
